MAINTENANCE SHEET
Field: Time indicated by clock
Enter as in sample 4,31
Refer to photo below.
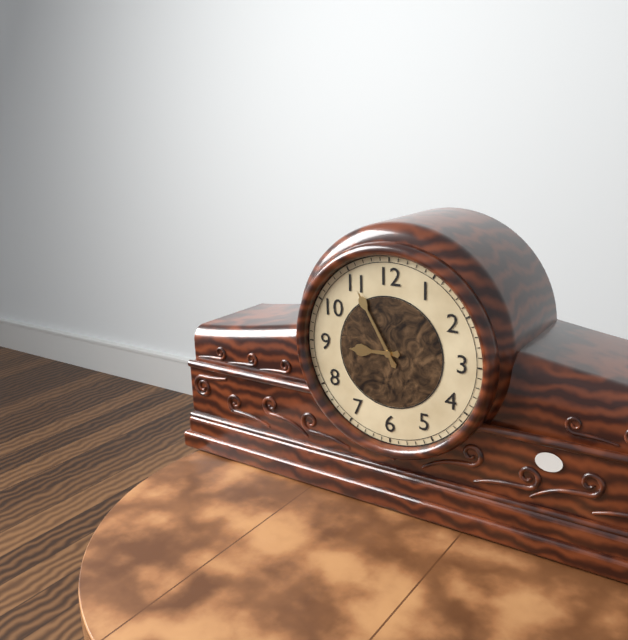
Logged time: 8,55
